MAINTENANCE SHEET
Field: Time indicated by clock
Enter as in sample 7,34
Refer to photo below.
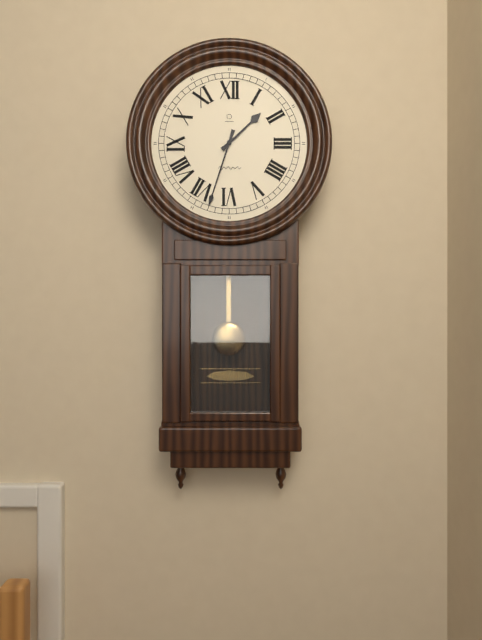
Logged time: 1,33
